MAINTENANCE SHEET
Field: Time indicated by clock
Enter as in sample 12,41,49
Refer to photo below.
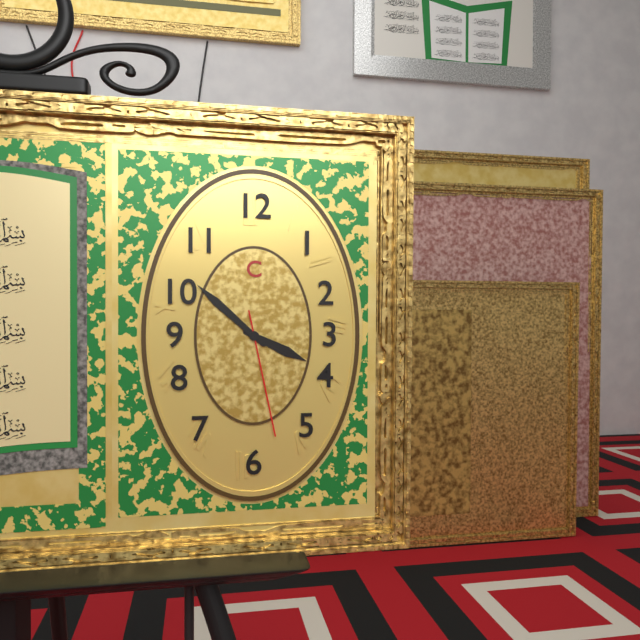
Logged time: 3,52,28
